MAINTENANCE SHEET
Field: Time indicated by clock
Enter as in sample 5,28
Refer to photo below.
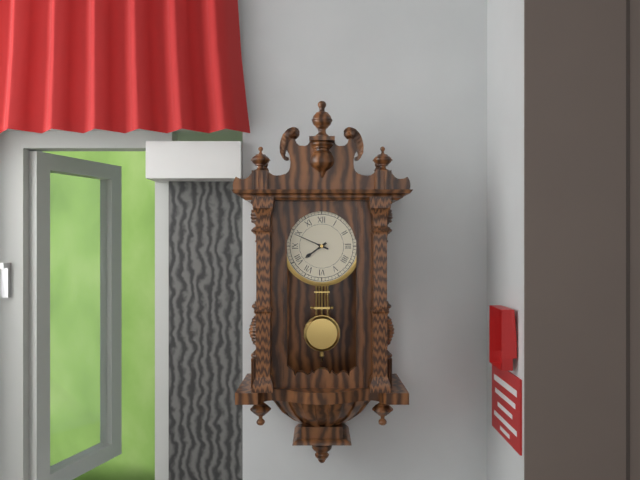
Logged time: 7,49
